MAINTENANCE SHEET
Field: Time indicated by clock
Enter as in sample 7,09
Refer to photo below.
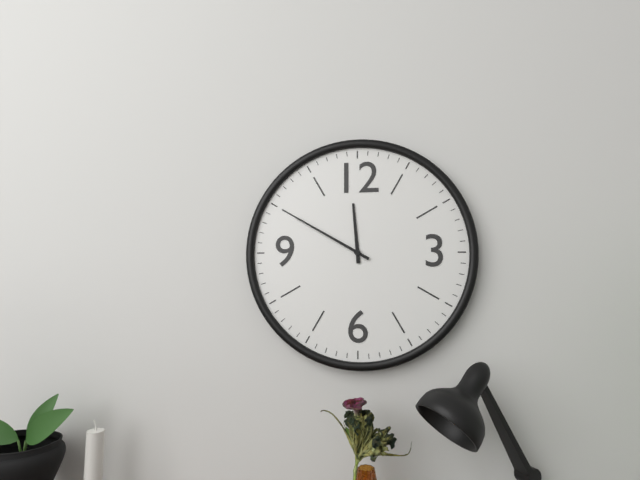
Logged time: 11,50
